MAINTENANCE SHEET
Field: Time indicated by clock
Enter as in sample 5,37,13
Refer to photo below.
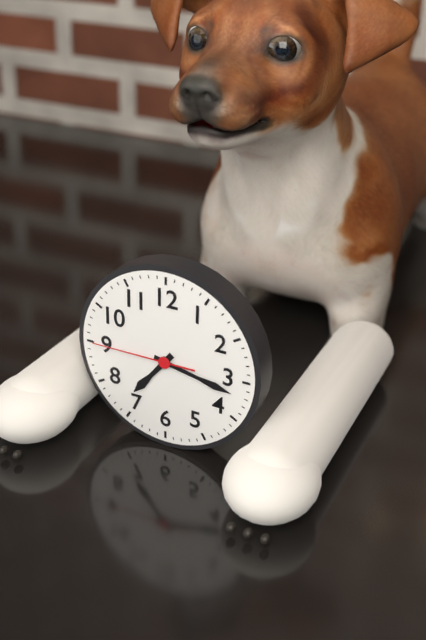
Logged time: 7,17,45
